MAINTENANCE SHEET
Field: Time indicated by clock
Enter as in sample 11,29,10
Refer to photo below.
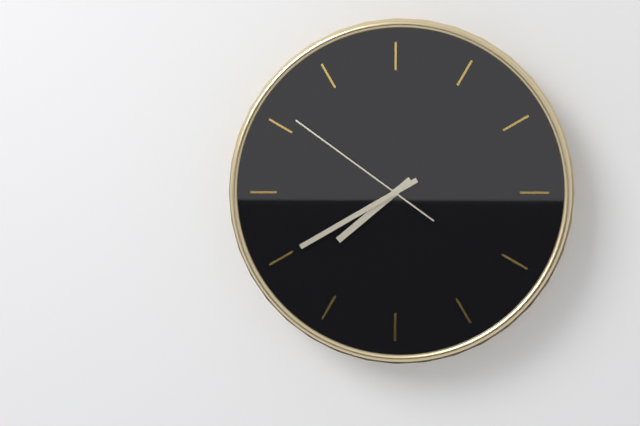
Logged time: 7,40,51
